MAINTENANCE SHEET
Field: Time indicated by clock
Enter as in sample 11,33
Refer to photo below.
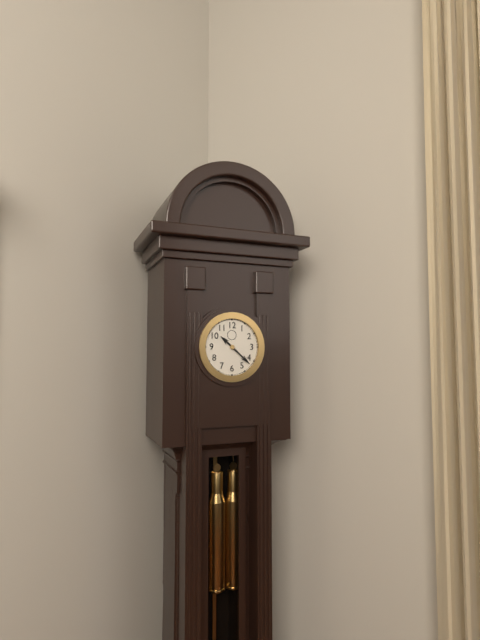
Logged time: 10,22
